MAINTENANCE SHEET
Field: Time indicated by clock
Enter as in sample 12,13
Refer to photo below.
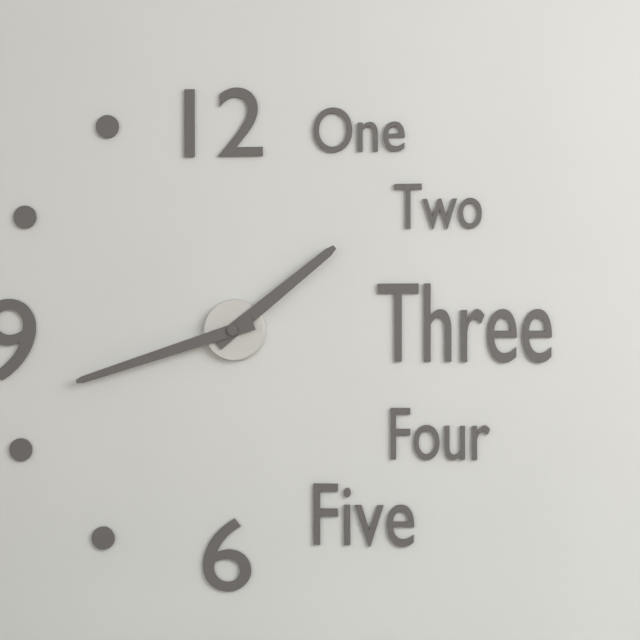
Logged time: 1,42
